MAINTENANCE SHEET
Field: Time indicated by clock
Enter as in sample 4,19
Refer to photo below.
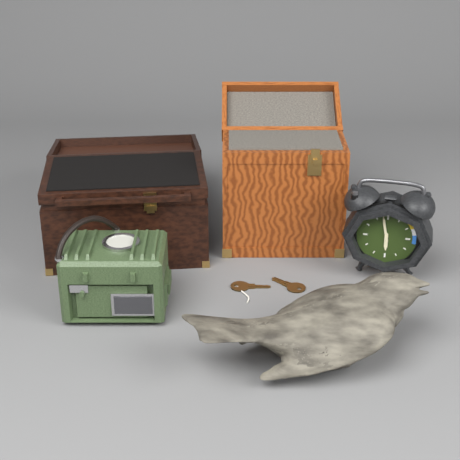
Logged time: 5,58
